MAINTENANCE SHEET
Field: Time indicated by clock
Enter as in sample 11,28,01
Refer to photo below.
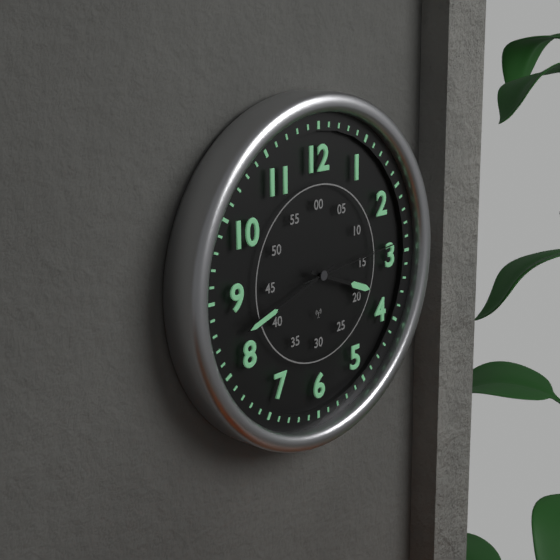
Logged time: 3,42,14
